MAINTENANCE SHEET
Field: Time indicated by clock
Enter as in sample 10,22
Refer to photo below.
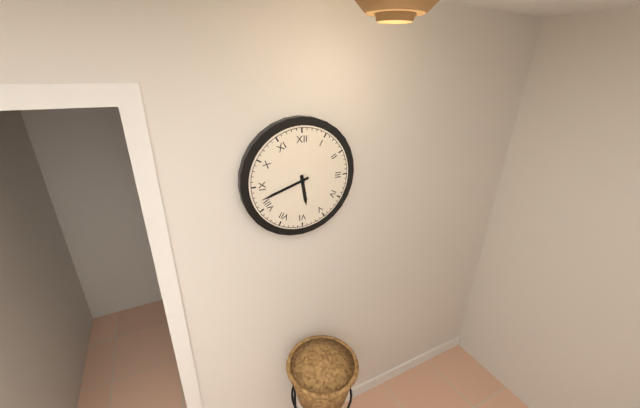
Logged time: 5,42
